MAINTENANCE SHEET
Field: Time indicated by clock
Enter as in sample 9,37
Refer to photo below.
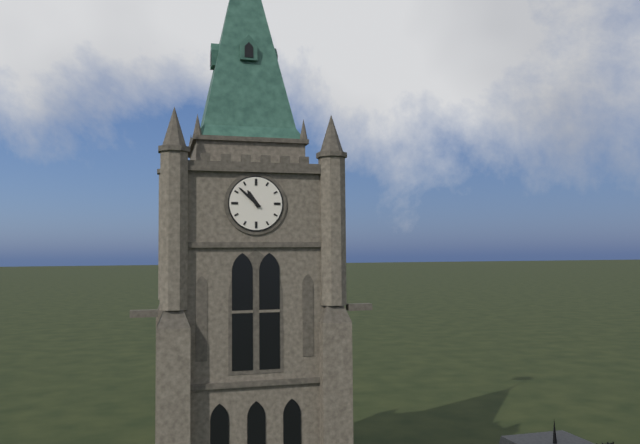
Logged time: 10,52
